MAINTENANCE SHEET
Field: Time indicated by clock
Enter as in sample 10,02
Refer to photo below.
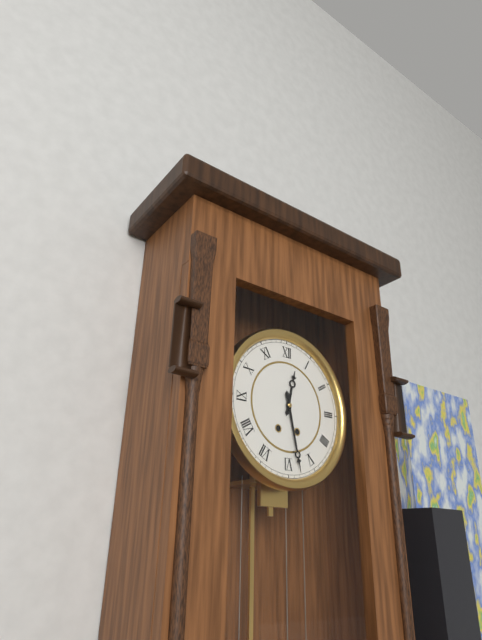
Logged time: 12,28
